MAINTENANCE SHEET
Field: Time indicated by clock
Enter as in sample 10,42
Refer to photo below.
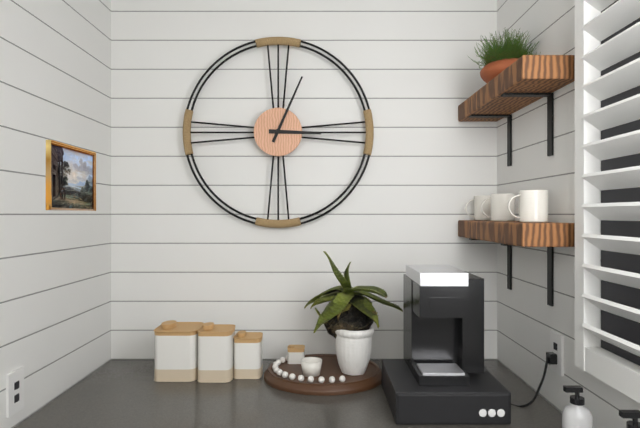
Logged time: 3,04
